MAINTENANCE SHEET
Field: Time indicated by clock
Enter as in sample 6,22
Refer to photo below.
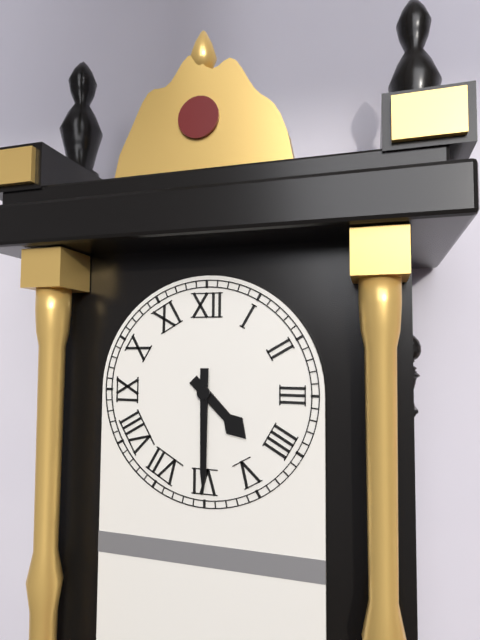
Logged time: 4,30
